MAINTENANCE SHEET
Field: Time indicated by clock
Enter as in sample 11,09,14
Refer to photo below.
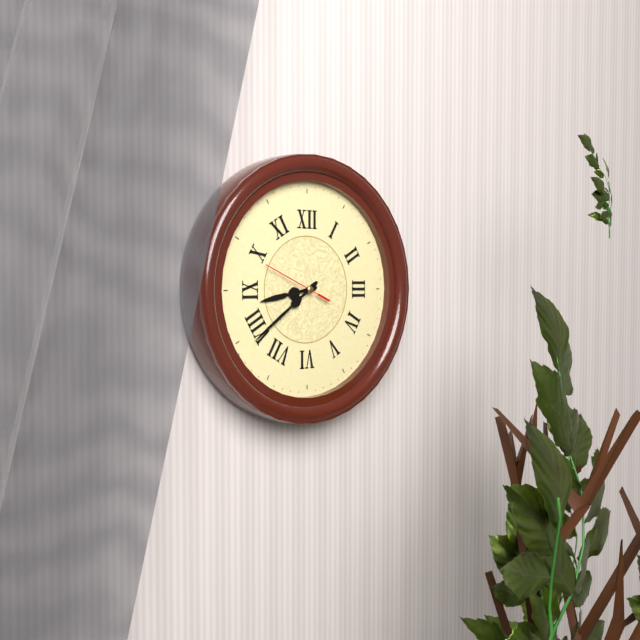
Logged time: 8,39,49
